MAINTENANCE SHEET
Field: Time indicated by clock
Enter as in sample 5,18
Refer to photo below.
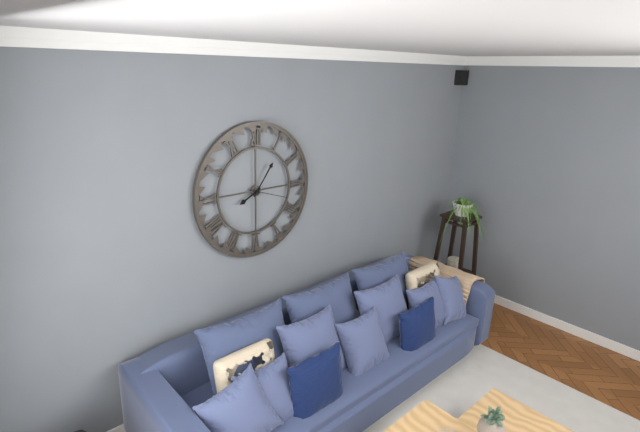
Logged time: 8,06
